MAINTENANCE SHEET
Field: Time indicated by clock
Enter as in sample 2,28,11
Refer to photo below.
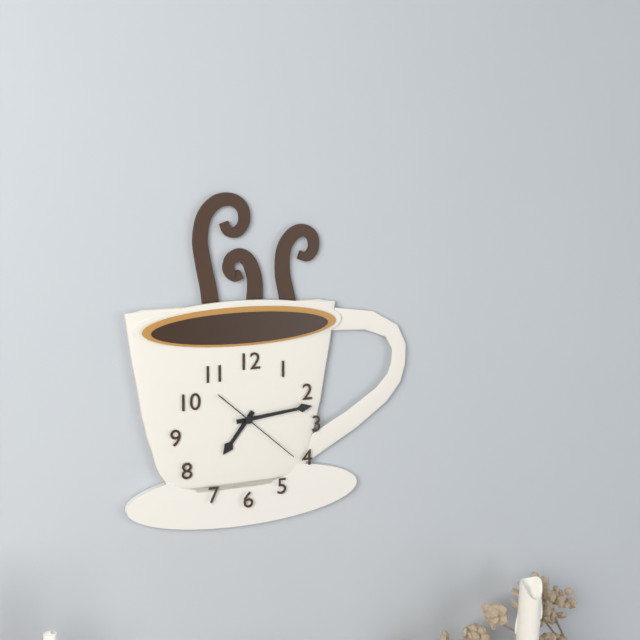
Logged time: 7,14,22
